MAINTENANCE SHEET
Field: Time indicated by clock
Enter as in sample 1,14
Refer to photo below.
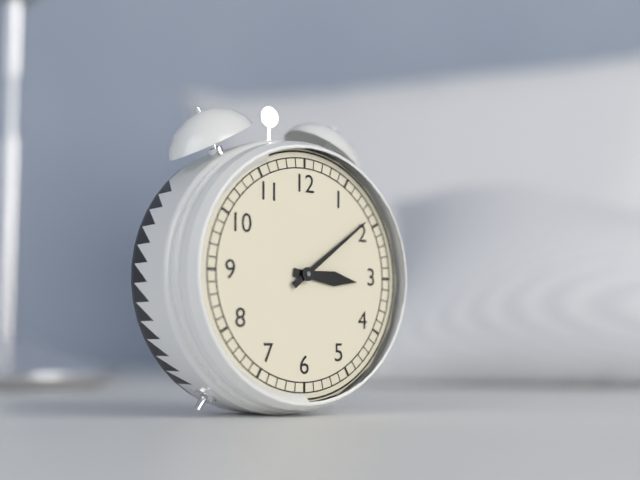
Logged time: 3,09
